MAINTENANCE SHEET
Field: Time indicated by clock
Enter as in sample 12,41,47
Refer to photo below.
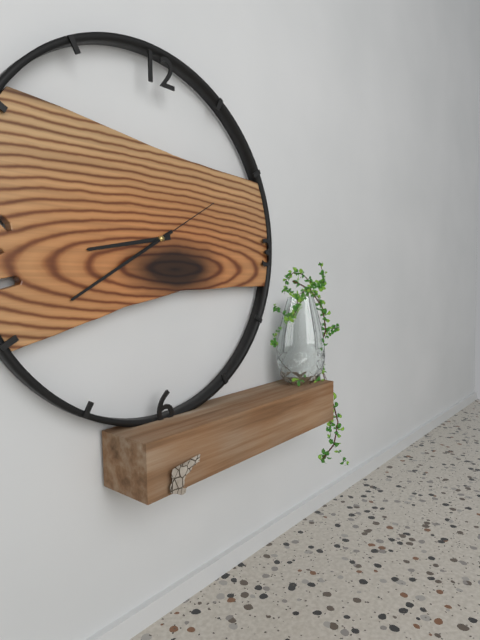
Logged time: 8,40,10
